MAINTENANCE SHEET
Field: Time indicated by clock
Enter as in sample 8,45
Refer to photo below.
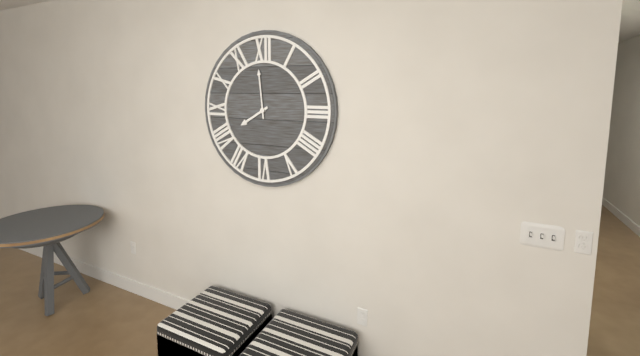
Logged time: 7,59
